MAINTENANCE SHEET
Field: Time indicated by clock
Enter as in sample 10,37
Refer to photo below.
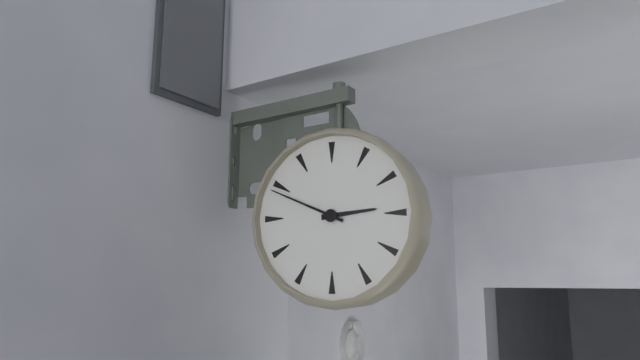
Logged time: 2,49
